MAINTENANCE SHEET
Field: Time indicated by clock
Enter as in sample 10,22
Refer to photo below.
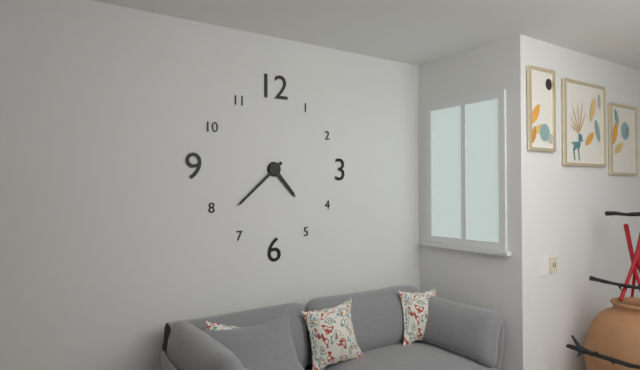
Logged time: 4,38
